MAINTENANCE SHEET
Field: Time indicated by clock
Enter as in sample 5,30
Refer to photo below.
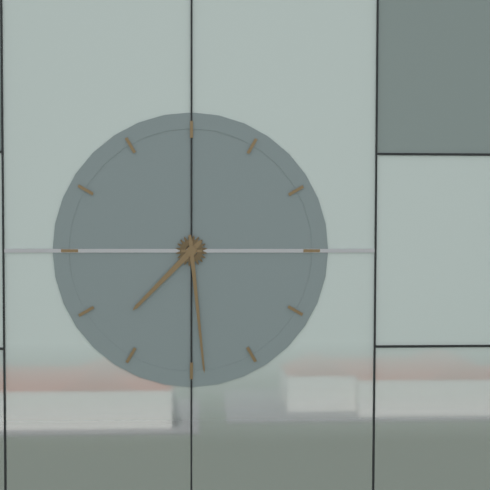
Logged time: 7,29
